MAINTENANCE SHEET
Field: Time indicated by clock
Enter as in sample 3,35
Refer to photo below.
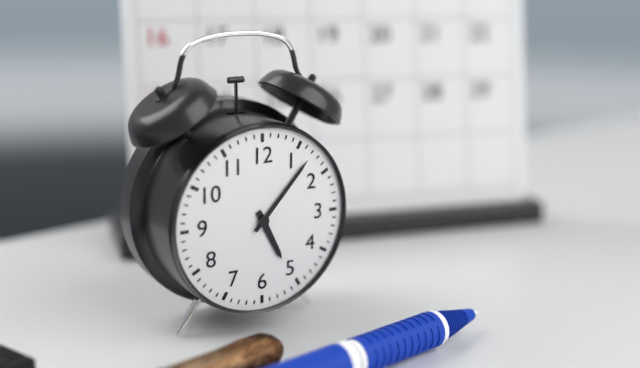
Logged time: 5,07
